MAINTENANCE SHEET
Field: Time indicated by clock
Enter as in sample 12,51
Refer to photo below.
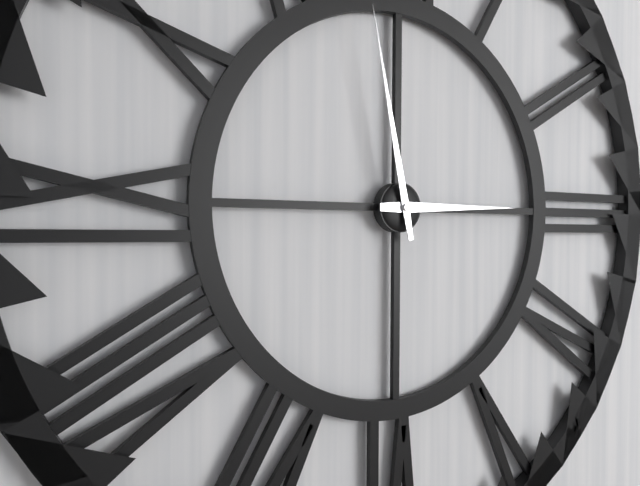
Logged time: 2,58
